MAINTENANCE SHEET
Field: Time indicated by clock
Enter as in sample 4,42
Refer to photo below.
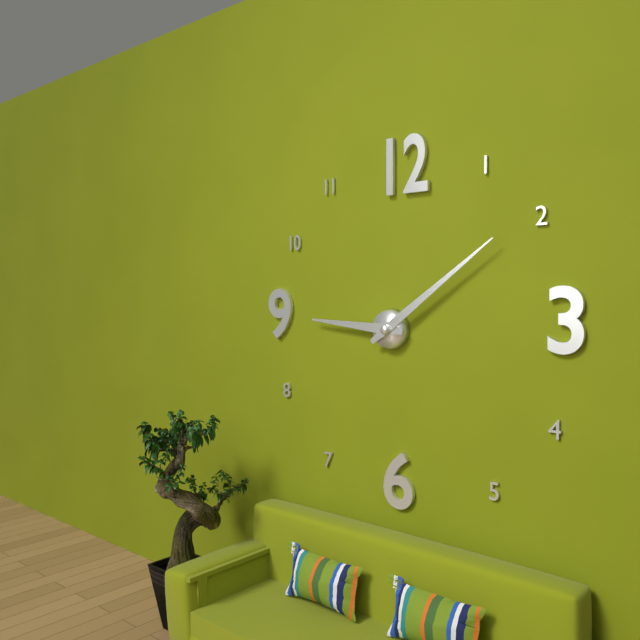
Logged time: 9,09
